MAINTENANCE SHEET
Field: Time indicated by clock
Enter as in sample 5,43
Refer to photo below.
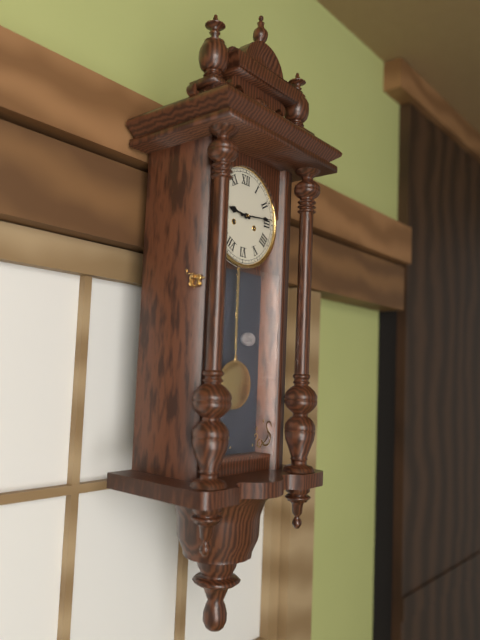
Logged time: 9,14
